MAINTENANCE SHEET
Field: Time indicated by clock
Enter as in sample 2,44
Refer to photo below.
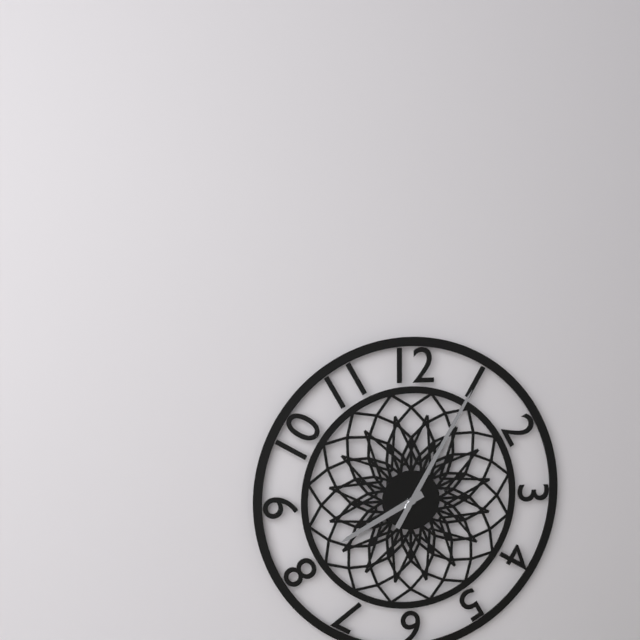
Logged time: 8,05
